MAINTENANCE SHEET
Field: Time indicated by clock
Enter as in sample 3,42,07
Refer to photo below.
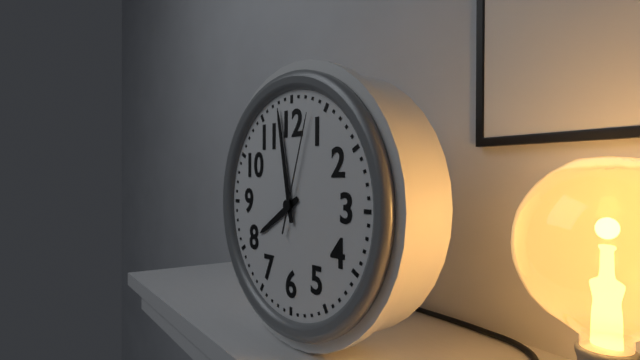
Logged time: 7,58,03
